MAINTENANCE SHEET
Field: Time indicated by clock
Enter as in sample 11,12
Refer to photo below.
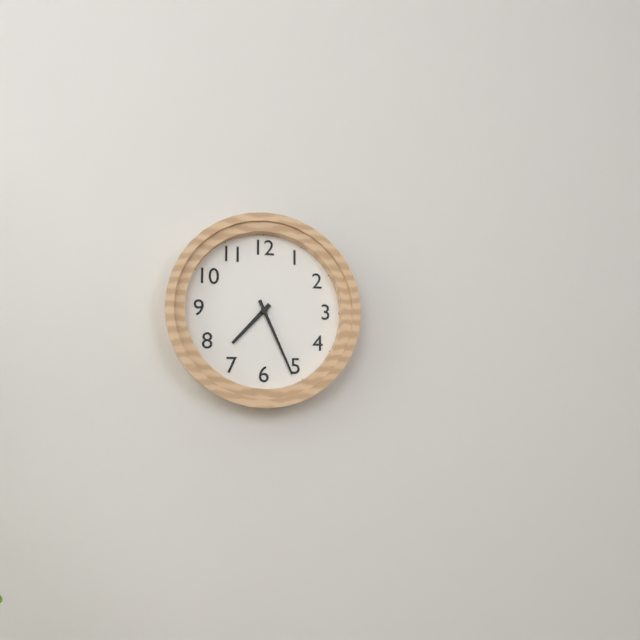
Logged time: 7,26
